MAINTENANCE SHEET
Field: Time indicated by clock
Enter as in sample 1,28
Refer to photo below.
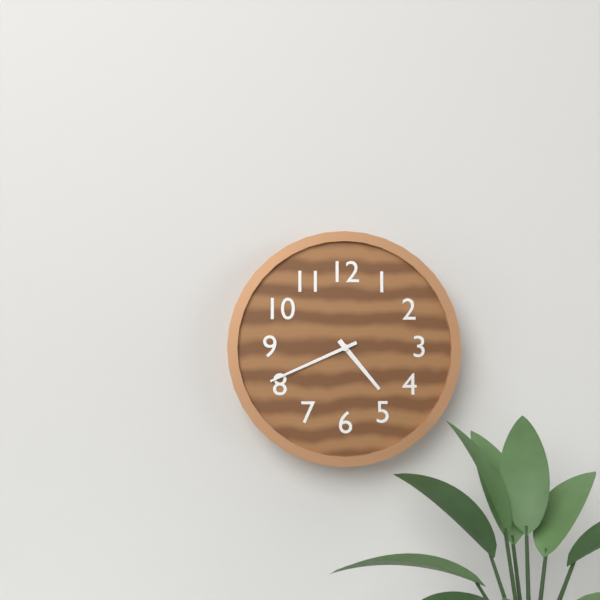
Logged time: 4,41
